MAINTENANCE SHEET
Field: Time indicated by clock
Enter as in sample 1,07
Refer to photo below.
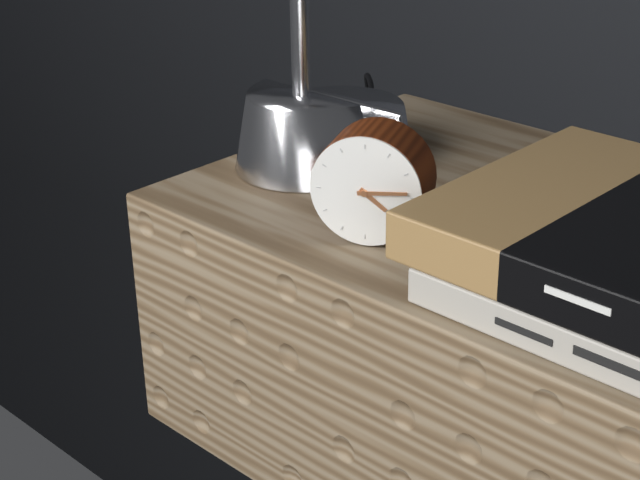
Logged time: 4,14
